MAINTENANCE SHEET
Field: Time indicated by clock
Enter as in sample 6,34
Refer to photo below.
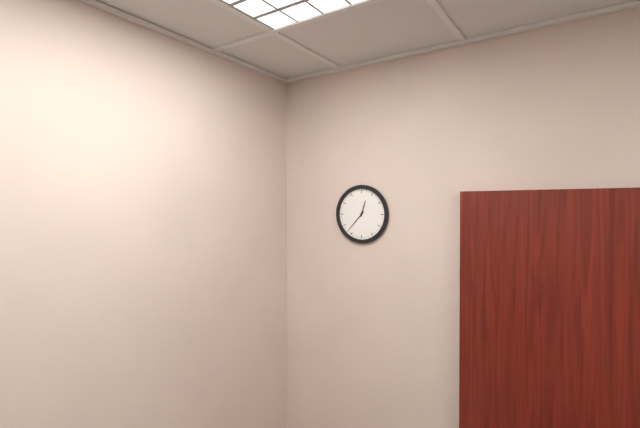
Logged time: 12,37
